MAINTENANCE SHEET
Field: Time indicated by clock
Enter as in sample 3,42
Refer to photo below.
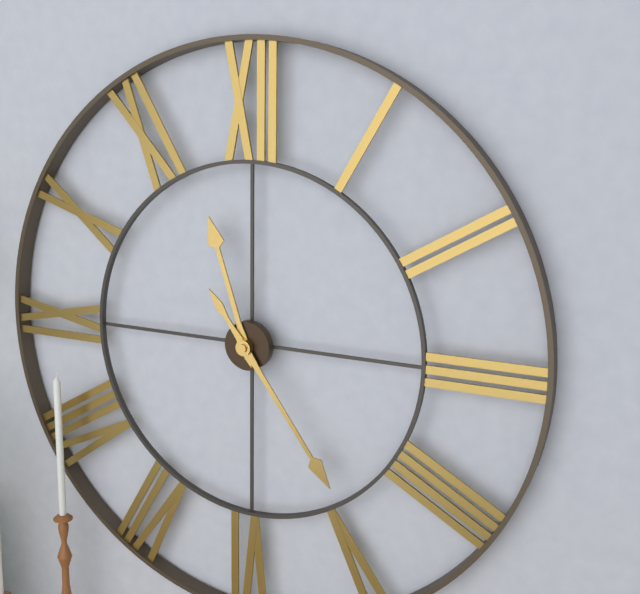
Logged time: 11,24
